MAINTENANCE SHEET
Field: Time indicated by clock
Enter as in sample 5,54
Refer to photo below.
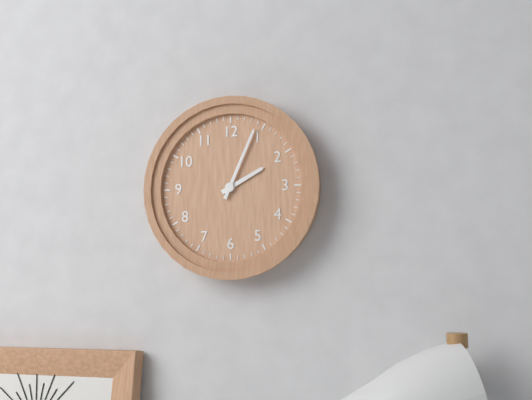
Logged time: 2,04
